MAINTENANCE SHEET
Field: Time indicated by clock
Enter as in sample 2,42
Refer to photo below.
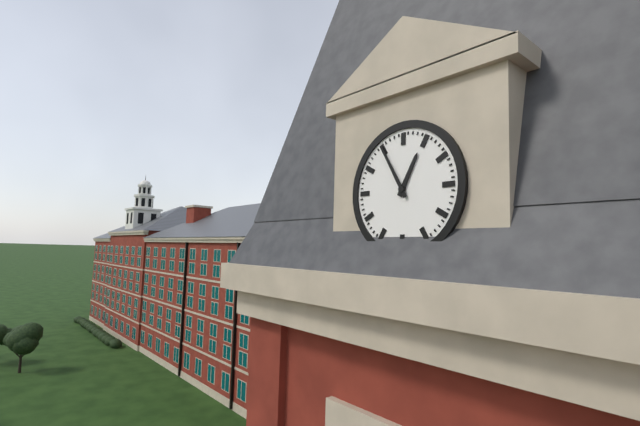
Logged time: 12,55
